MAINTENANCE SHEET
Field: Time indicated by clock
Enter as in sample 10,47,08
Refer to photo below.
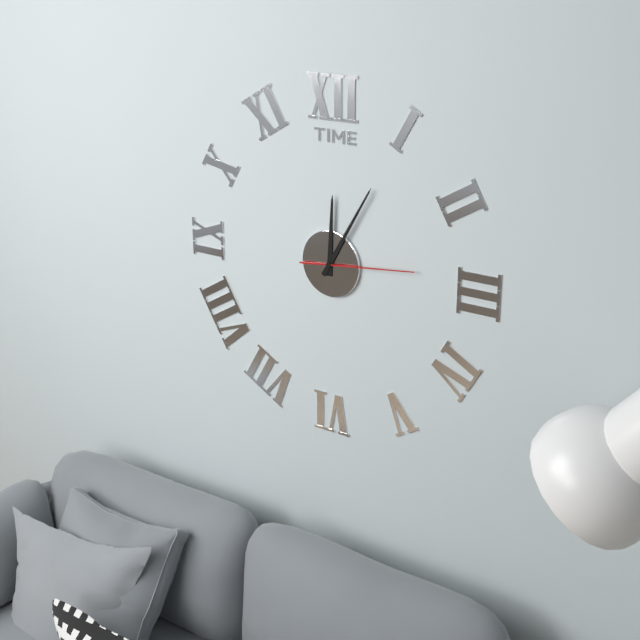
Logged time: 12,05,14
